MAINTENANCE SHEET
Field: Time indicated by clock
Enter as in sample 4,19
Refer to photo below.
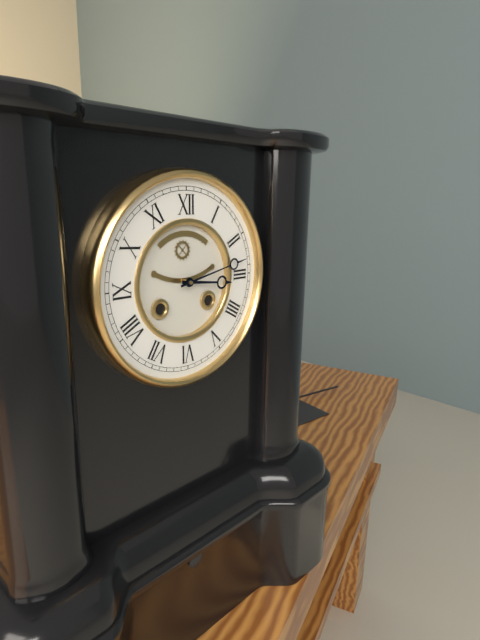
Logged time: 3,13
